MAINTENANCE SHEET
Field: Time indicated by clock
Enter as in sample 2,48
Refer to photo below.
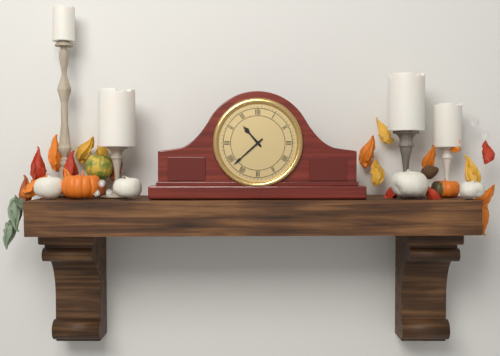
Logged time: 10,38
